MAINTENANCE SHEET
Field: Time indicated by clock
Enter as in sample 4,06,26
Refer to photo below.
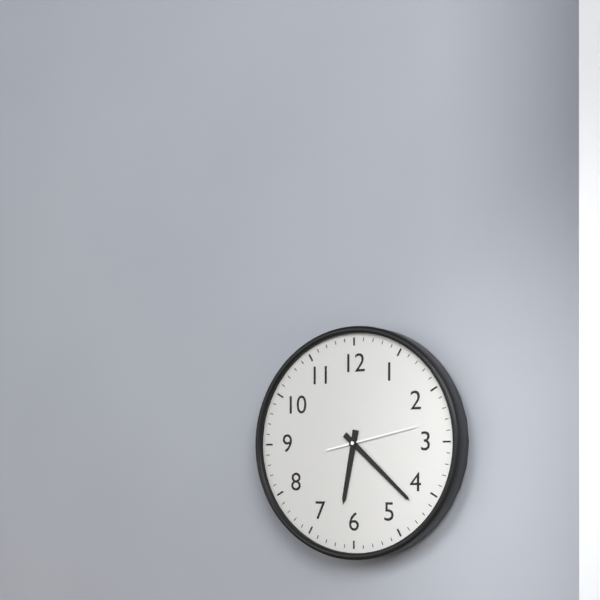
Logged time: 6,22,13
